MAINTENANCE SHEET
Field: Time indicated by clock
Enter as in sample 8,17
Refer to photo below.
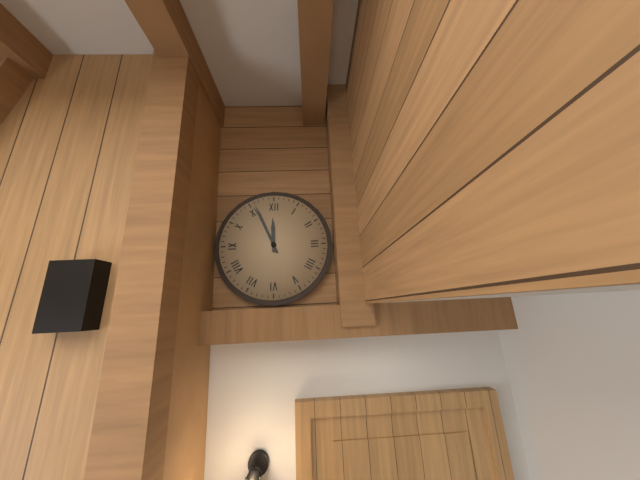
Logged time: 11,56
